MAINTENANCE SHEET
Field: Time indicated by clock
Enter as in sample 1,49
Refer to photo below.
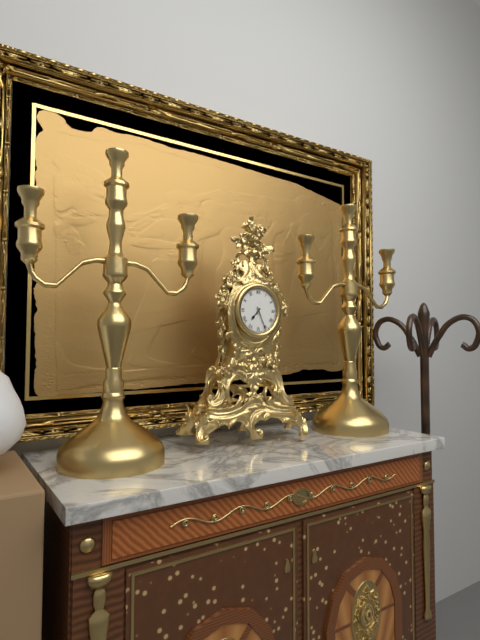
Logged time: 7,26
